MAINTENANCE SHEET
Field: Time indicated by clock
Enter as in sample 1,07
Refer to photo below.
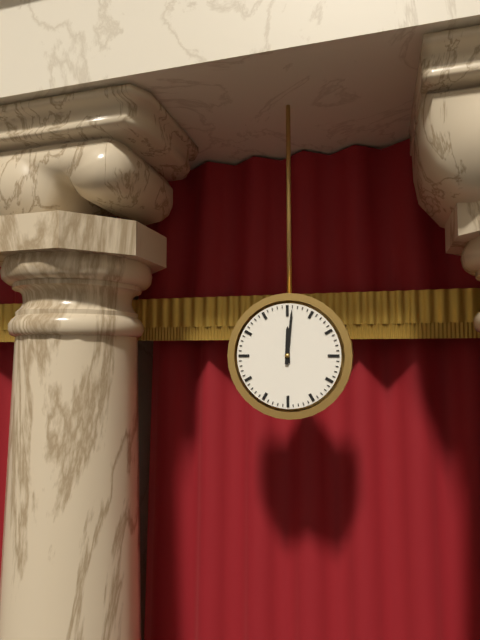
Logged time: 12,01
